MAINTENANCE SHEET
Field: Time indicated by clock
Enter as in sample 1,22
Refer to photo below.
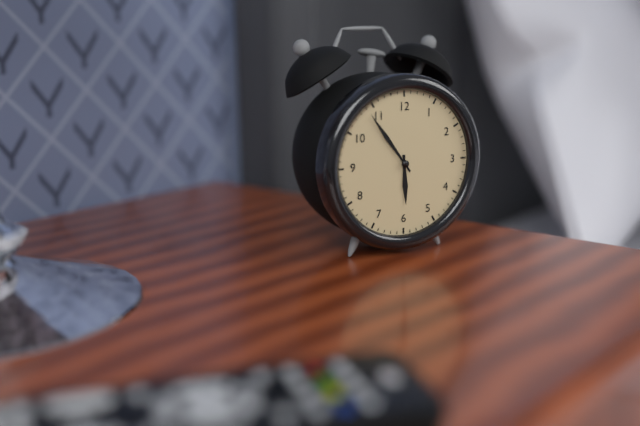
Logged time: 5,54
